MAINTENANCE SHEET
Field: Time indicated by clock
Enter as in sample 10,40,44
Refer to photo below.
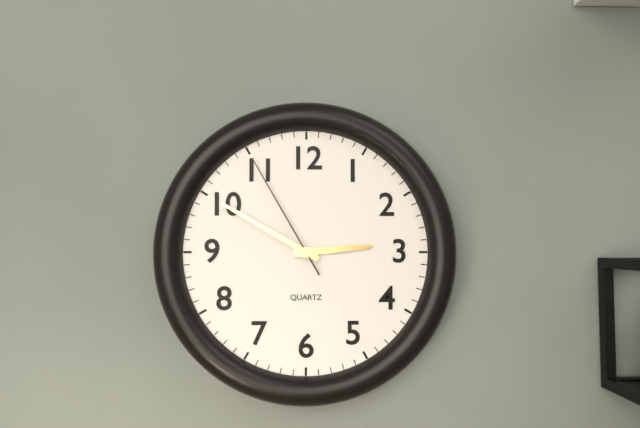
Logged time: 2,50,55
